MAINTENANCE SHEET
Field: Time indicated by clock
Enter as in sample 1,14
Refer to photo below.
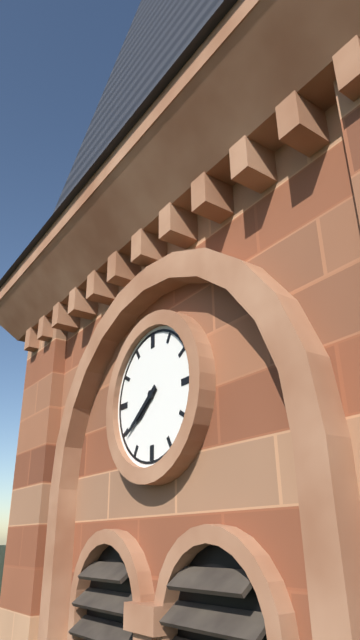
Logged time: 7,39
